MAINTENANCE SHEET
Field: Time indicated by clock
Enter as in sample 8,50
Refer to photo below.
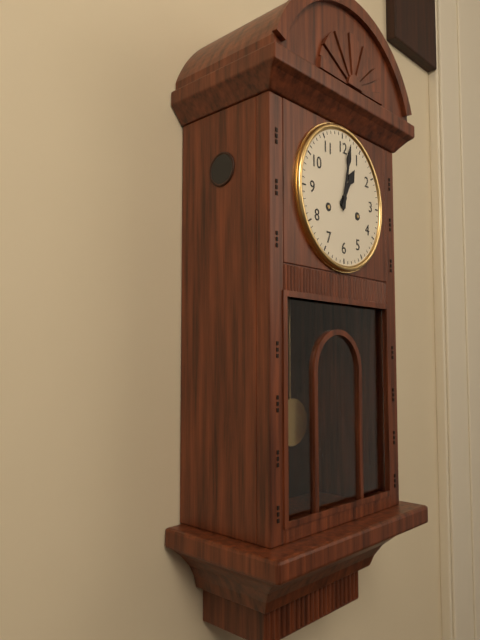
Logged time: 1,02
